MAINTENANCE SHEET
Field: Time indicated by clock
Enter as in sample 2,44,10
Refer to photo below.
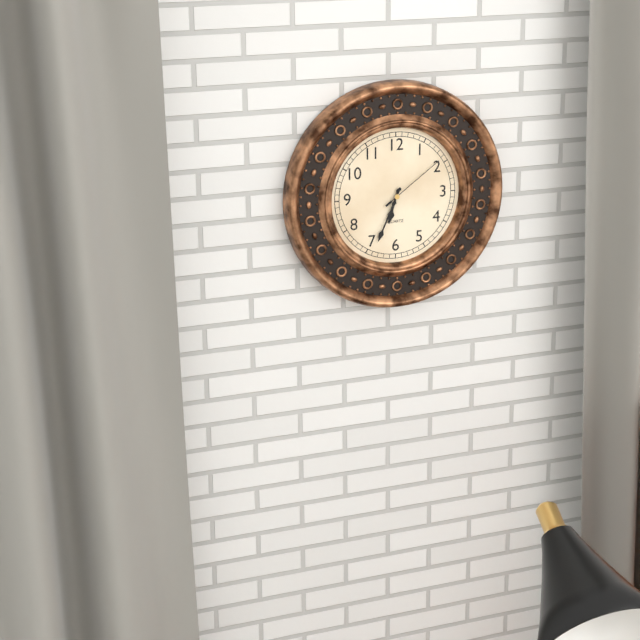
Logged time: 6,34,09
